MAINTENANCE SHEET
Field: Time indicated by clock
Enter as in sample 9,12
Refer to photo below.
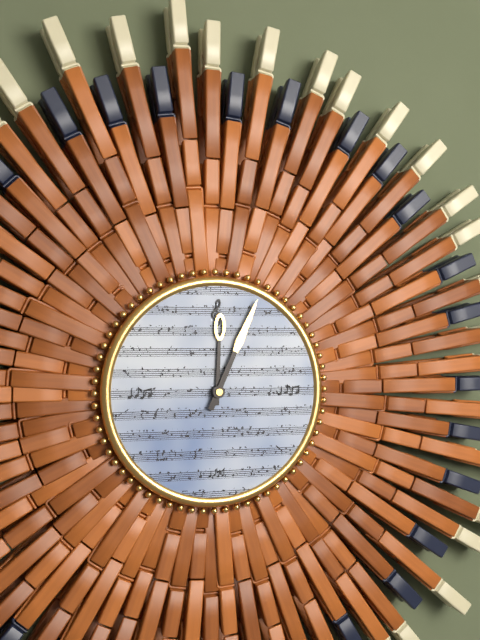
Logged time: 12,04
